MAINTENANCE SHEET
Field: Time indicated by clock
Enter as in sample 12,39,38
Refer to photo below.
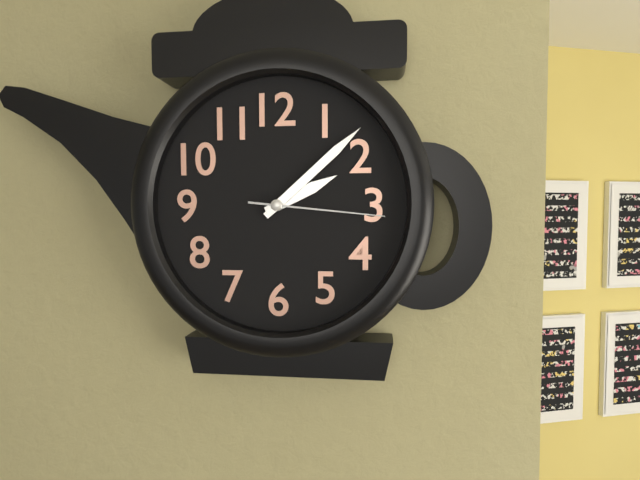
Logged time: 2,08,16
